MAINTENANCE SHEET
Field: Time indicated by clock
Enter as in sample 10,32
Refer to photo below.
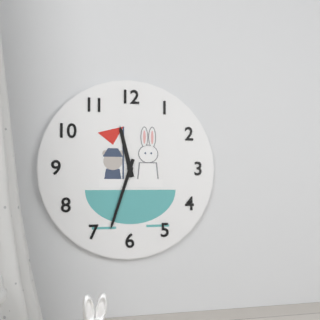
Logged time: 11,33
